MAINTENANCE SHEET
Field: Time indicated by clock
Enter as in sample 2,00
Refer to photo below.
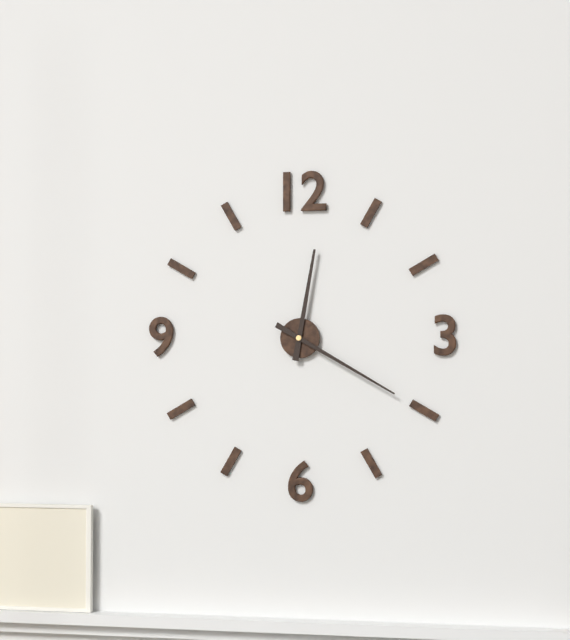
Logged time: 12,20
